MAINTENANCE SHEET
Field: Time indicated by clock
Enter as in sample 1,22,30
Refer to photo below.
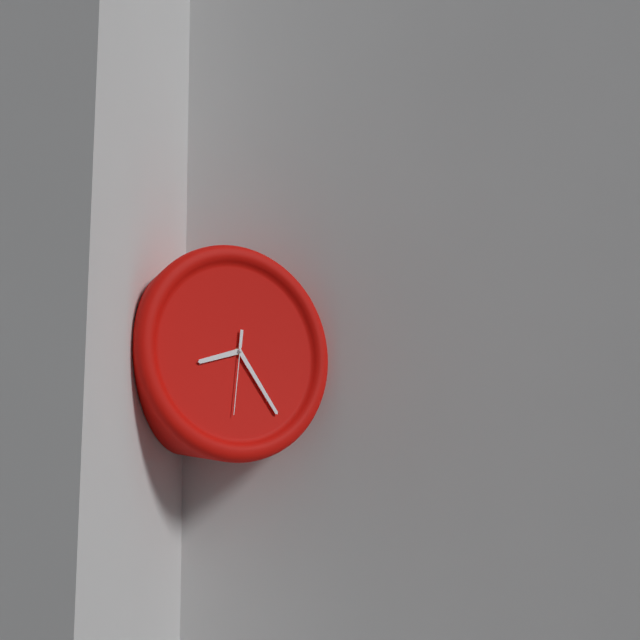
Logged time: 8,24,31
